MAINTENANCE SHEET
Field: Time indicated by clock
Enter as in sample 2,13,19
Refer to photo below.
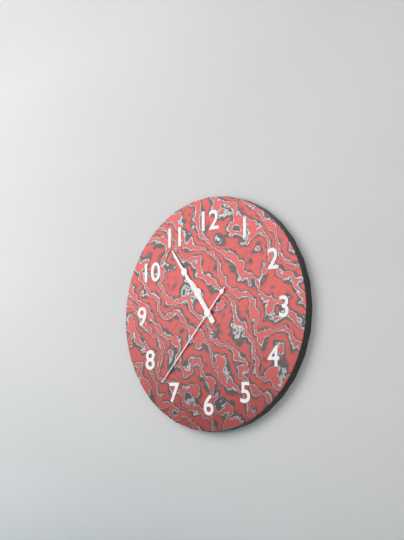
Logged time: 10,54,37
